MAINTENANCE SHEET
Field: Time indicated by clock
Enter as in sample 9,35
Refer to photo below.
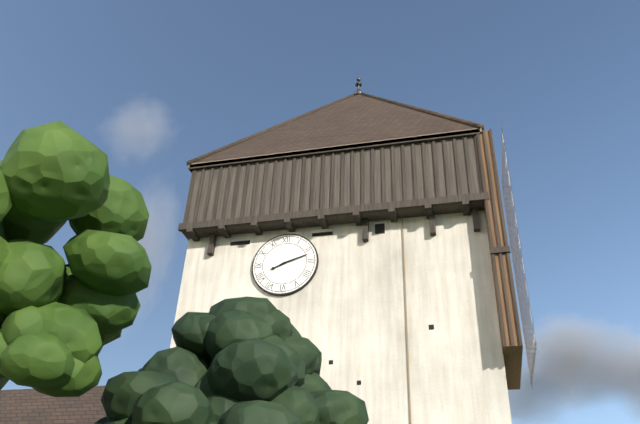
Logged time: 8,12
